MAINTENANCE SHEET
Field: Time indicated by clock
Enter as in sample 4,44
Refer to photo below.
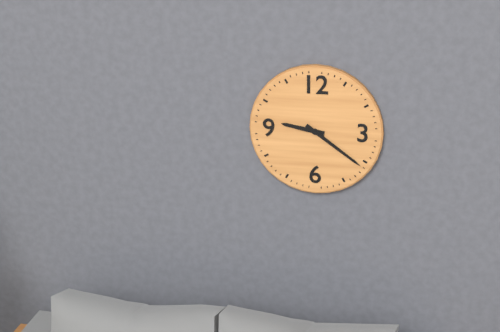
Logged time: 9,21
